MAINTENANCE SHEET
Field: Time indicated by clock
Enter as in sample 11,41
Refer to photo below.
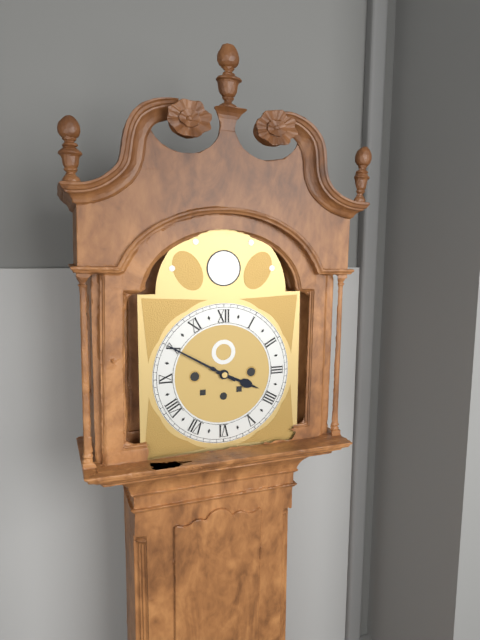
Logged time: 3,50
